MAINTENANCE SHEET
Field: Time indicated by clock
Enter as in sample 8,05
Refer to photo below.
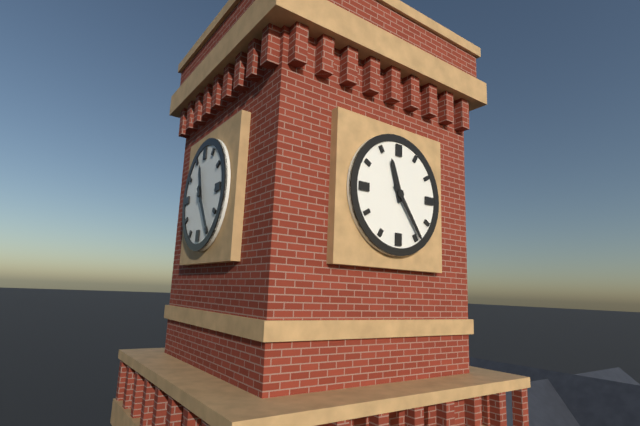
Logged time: 11,24
